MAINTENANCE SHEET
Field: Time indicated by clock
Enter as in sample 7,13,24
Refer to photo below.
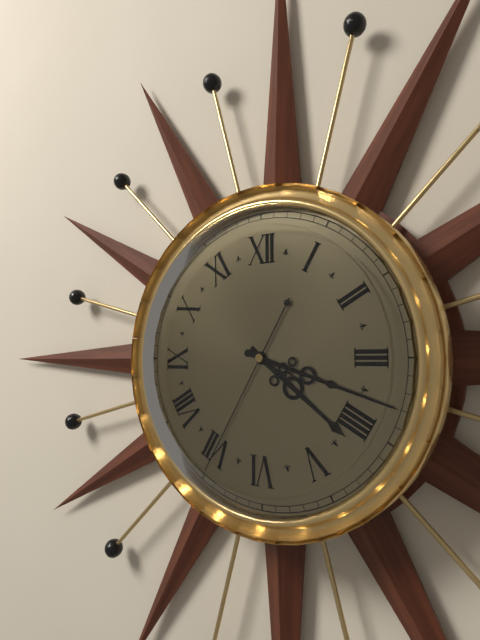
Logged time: 4,18,35
